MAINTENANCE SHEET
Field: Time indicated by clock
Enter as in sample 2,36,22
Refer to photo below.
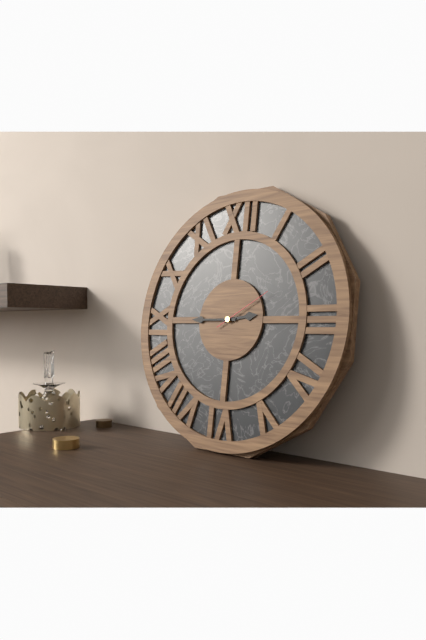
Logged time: 2,45,10
